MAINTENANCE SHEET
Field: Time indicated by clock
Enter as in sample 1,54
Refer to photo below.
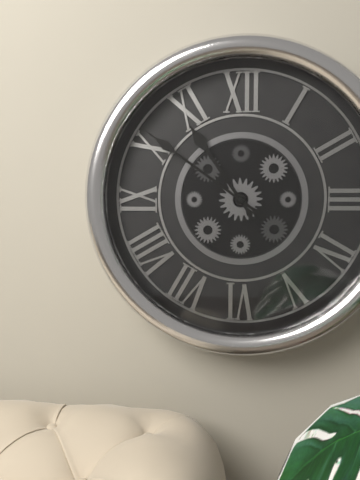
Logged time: 10,51
